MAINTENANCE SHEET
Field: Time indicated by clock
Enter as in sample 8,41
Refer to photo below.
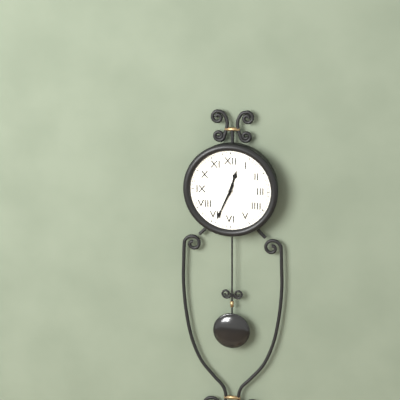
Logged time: 12,34
